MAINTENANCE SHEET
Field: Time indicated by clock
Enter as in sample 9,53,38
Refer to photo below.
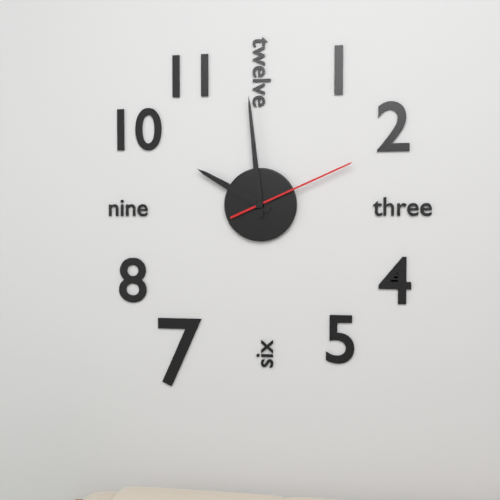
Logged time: 9,59,11
